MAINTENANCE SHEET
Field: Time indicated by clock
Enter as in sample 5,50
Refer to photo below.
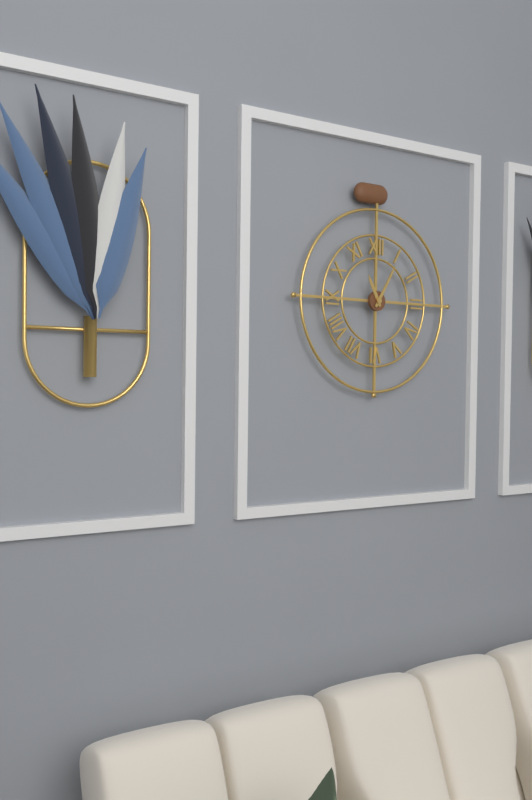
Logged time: 11,05
